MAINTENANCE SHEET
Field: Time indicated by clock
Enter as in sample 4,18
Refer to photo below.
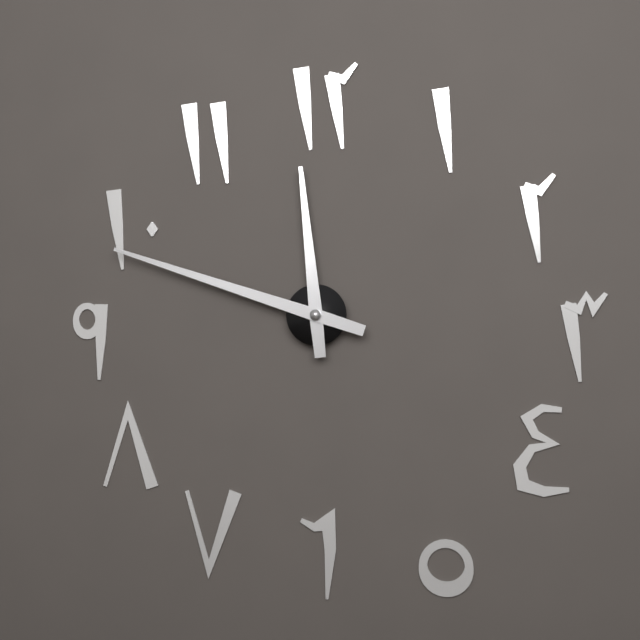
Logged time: 11,48
